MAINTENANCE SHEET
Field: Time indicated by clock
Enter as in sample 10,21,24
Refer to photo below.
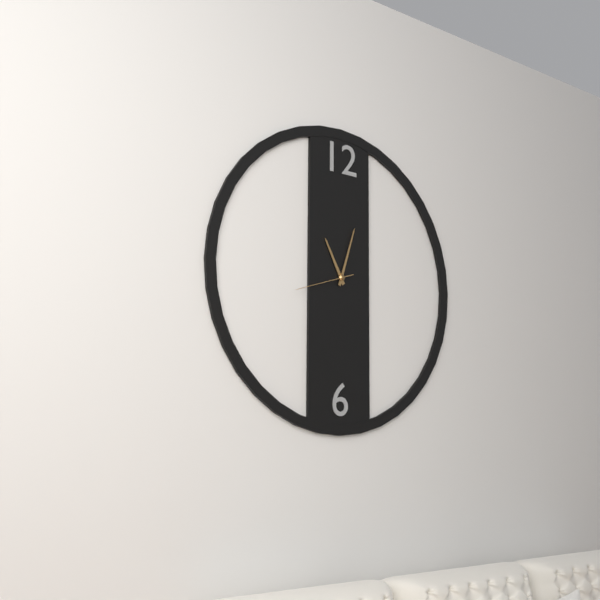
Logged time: 11,03,42
